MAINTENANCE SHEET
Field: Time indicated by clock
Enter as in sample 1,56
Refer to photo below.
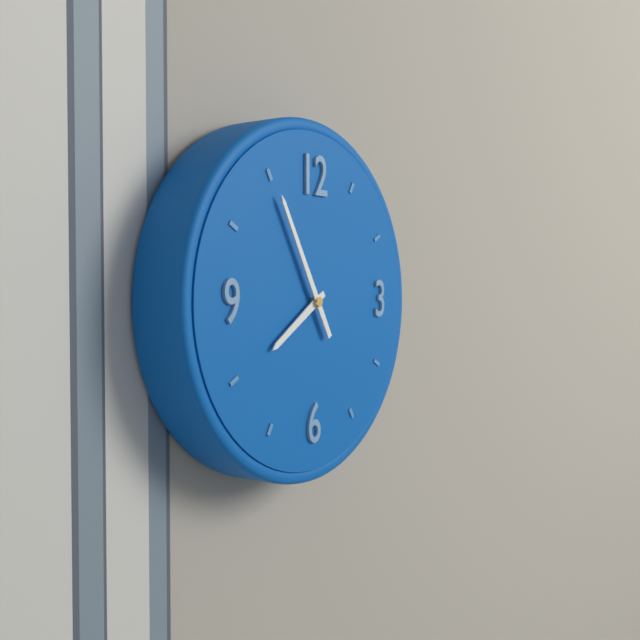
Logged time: 7,55
